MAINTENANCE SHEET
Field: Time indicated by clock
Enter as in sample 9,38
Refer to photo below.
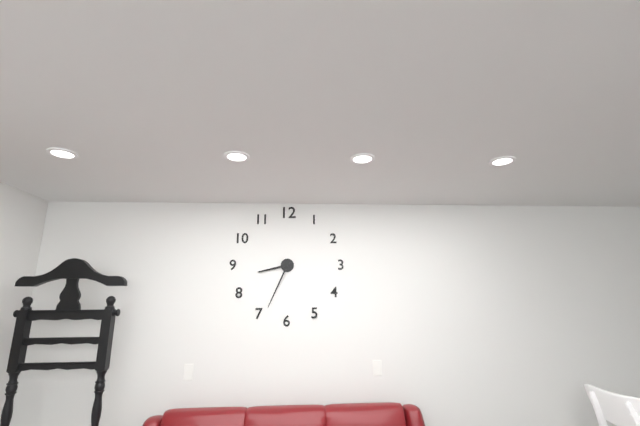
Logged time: 8,34
